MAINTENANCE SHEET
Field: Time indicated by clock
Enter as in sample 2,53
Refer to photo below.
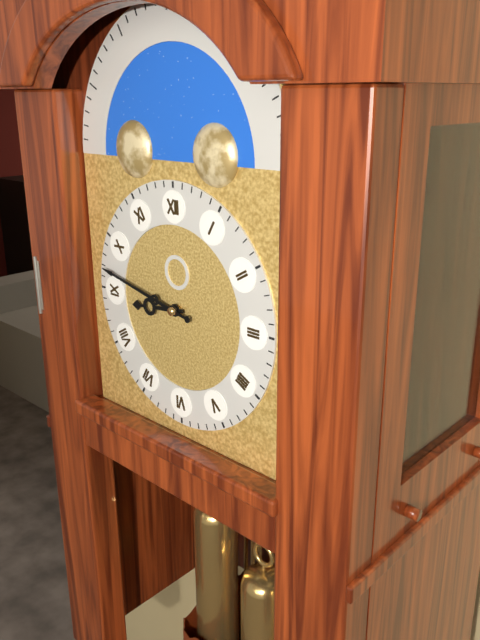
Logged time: 8,47
